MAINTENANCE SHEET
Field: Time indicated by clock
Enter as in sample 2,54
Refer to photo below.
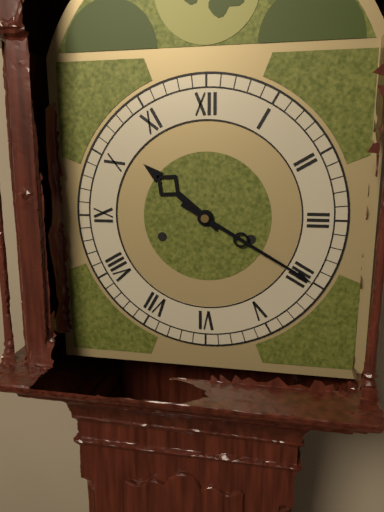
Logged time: 10,20
